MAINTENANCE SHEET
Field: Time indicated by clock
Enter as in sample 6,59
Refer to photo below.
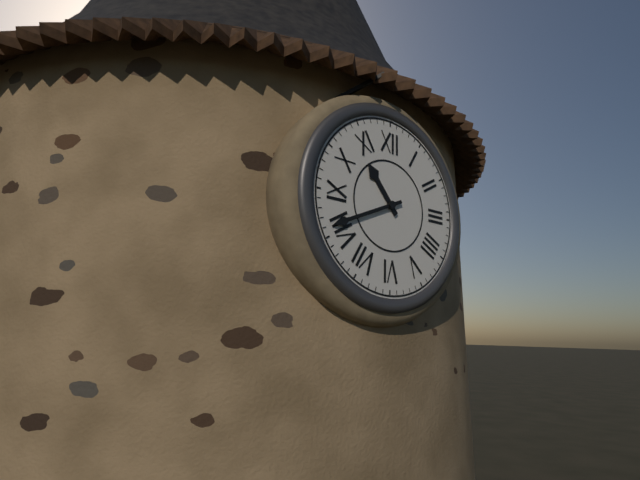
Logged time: 10,41
